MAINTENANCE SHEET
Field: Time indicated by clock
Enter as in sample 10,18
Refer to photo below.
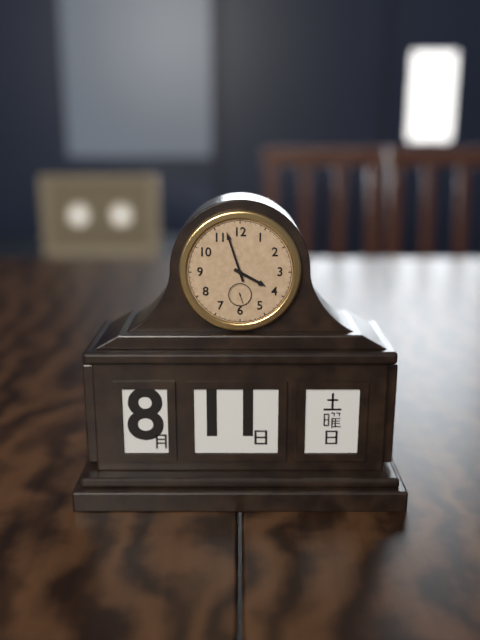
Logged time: 3,57
